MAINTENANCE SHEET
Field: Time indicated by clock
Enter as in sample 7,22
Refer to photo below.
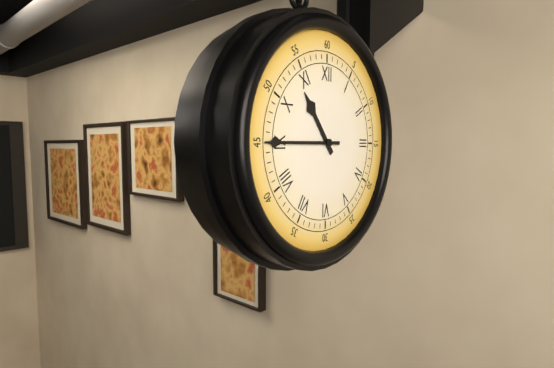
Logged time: 10,45
